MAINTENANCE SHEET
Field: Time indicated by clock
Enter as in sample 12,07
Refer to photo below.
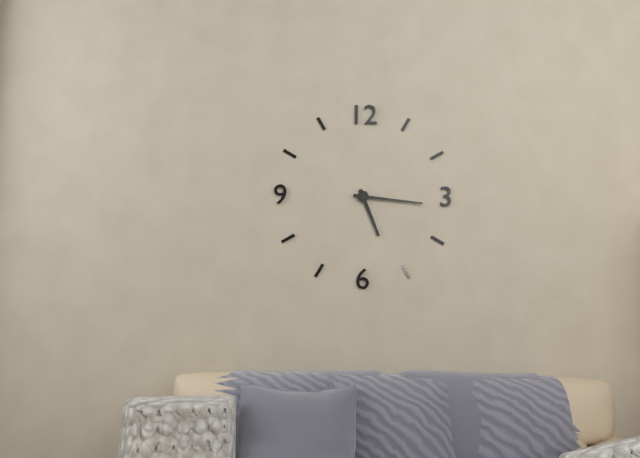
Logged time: 5,16
